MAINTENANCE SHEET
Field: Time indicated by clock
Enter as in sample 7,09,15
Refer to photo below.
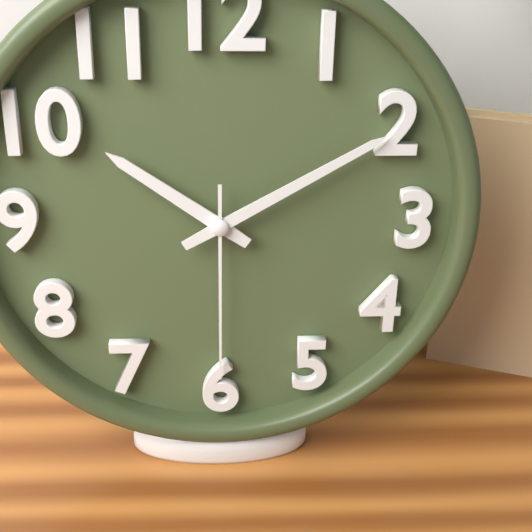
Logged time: 10,10,30
